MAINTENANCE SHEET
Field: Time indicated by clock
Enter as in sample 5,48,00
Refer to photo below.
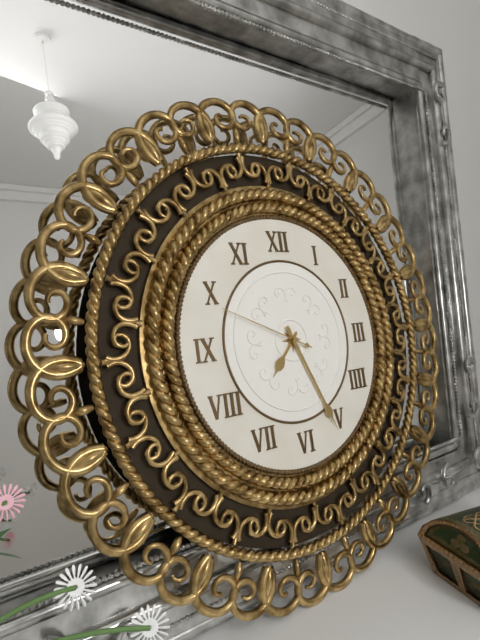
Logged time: 7,26,49
